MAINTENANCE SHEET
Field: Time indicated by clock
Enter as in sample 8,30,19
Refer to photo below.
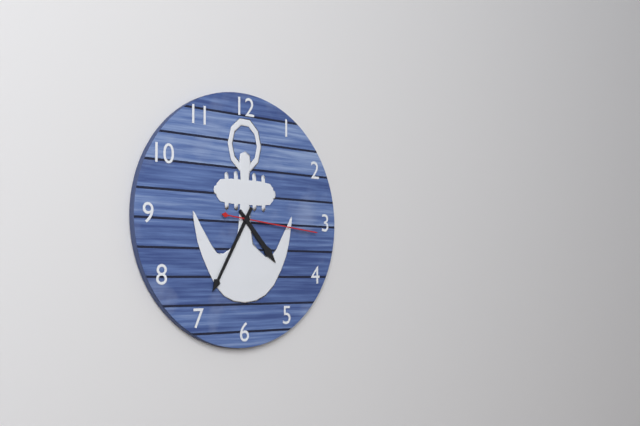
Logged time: 4,35,16
